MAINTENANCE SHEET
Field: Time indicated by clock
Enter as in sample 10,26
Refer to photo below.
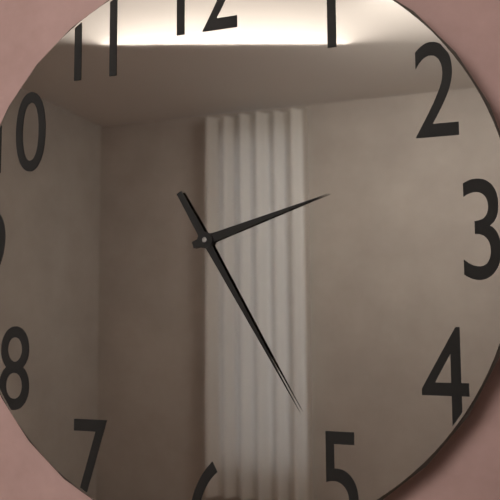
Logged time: 2,25
